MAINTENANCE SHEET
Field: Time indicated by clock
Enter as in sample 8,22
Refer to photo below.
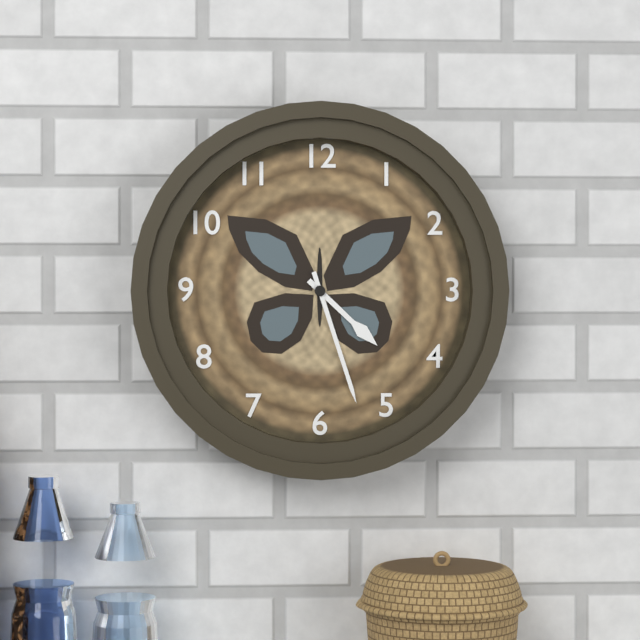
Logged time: 4,27
